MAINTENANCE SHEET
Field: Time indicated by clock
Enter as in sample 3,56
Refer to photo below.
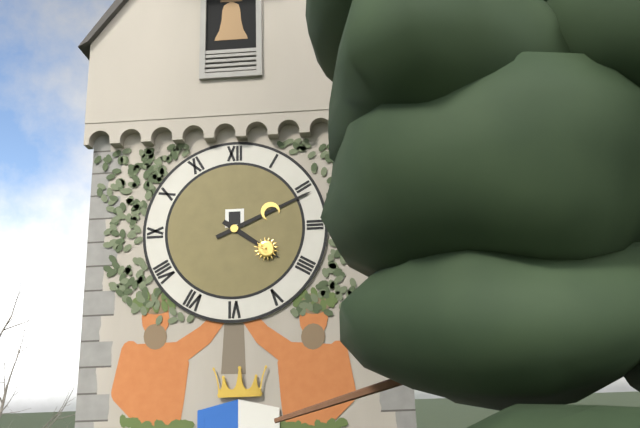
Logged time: 4,11
